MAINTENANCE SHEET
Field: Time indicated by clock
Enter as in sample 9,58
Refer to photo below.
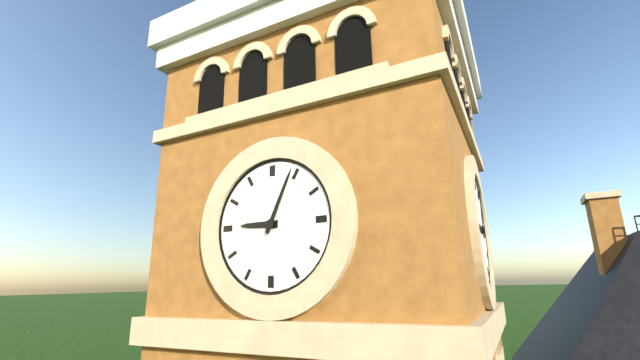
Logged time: 9,04
